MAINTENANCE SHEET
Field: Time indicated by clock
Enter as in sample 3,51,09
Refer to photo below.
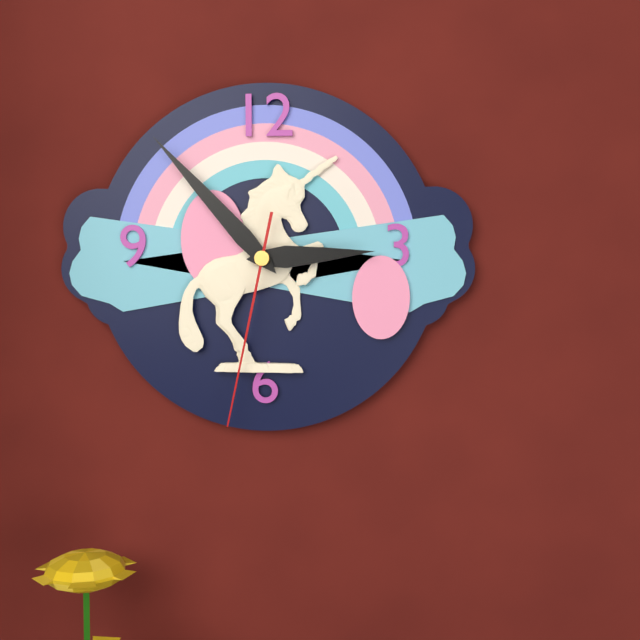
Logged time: 2,53,32
